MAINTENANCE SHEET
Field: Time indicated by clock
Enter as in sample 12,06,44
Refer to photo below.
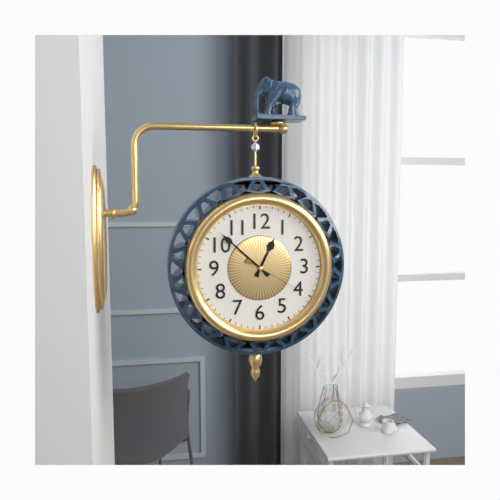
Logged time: 12,52,20
